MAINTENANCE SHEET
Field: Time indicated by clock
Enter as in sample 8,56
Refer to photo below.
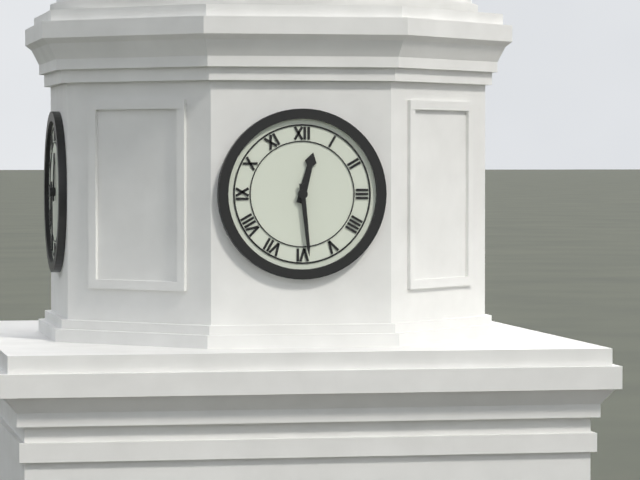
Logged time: 12,29
